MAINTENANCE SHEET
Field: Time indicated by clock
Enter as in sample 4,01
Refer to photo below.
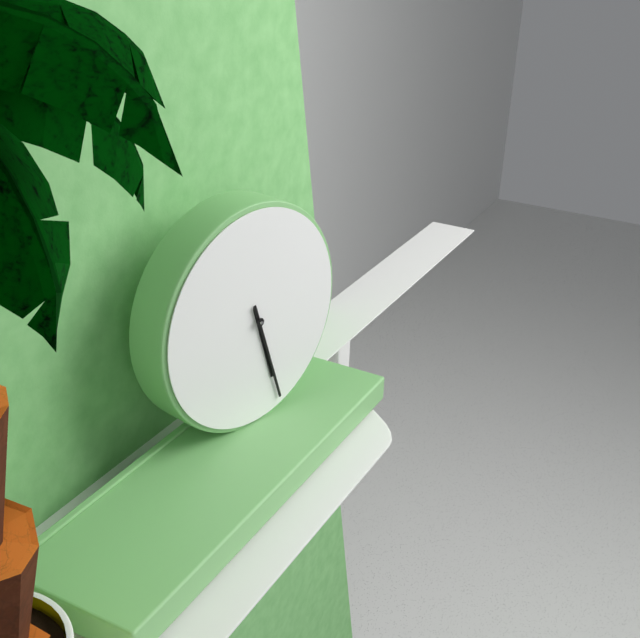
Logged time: 5,27
